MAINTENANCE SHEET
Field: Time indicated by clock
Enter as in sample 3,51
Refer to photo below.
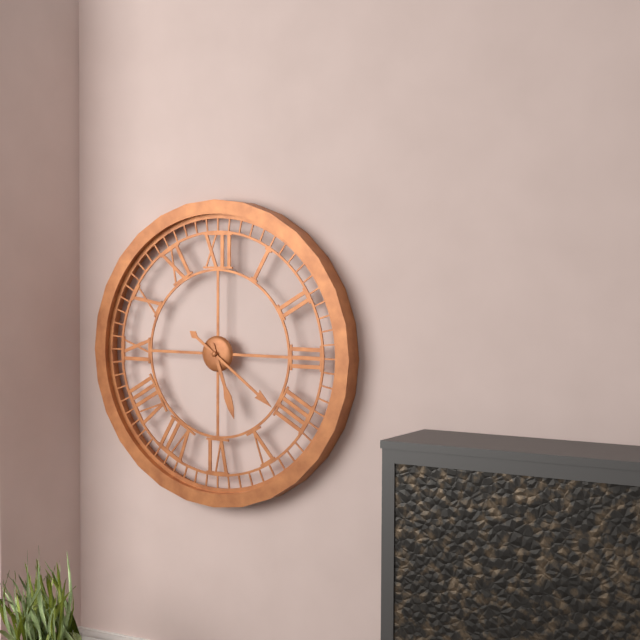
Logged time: 5,21
